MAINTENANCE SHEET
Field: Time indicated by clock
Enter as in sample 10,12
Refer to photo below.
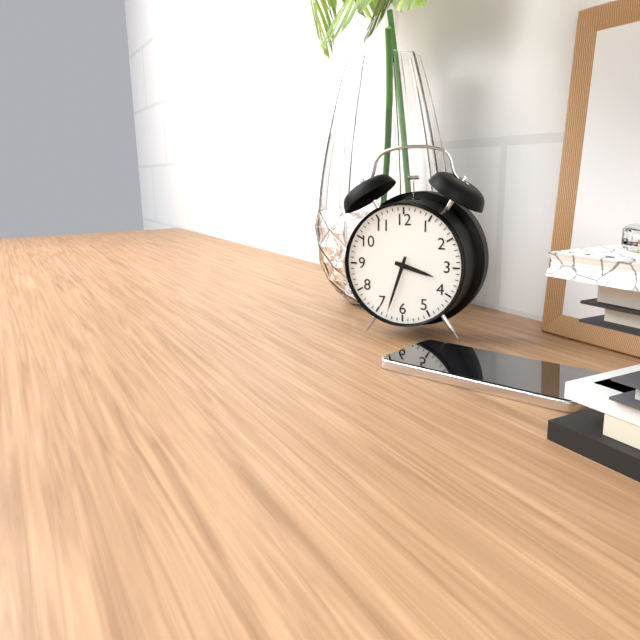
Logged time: 3,33
